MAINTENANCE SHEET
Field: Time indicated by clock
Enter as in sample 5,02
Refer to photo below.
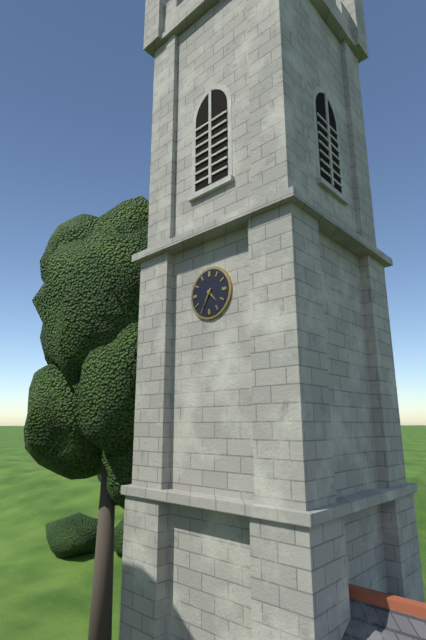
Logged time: 4,35
